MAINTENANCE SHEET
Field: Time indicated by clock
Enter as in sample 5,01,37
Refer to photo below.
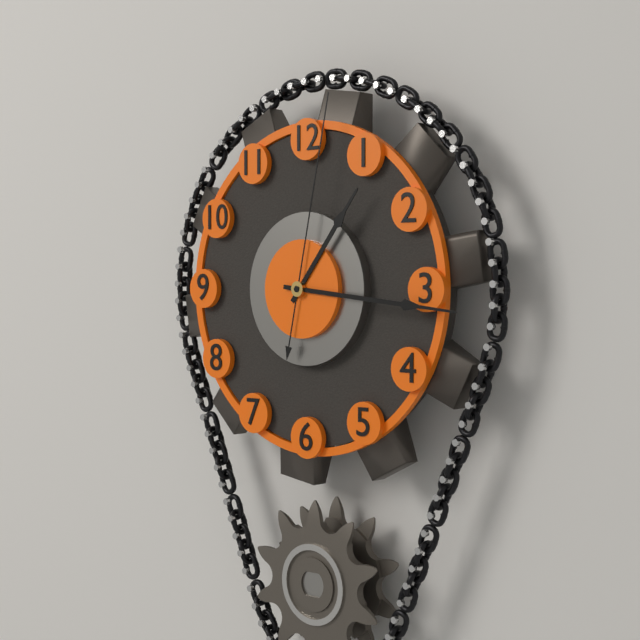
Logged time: 1,16,02
